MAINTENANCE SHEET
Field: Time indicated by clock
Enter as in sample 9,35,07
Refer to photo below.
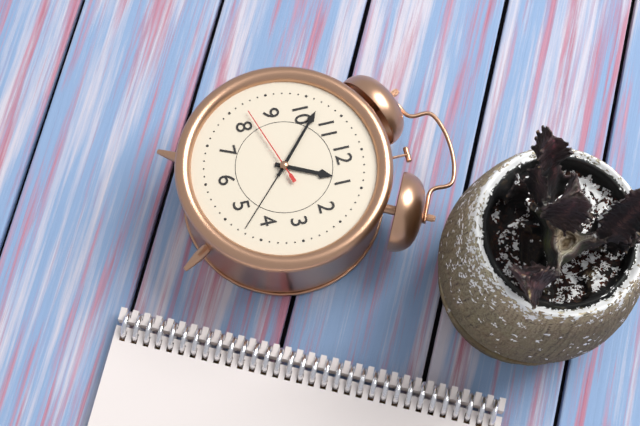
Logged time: 12,52,42
